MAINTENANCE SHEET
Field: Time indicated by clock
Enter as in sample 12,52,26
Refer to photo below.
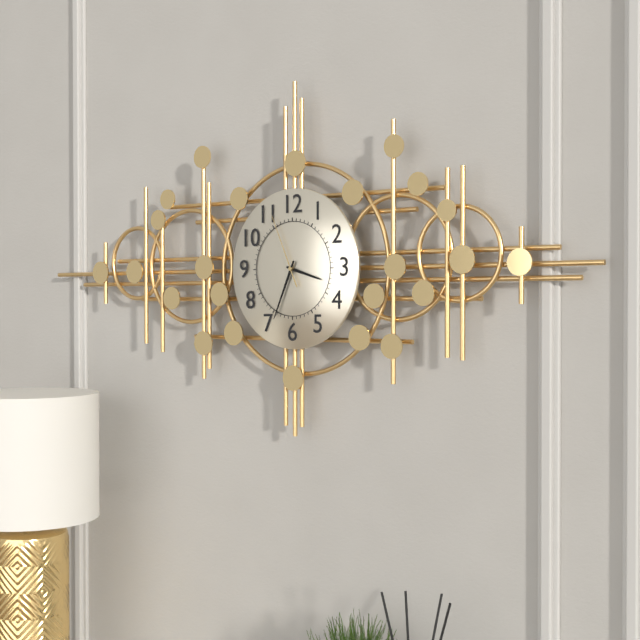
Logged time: 3,34,56
